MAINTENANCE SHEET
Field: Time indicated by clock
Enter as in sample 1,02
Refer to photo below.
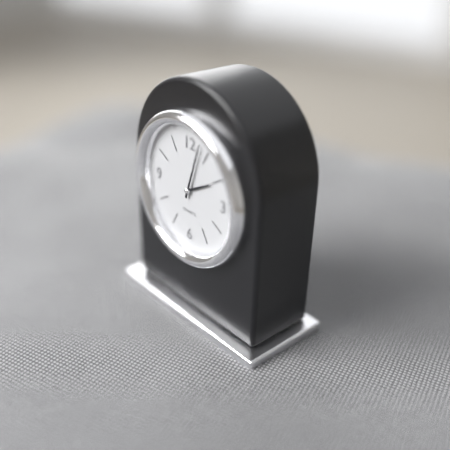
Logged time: 2,03
